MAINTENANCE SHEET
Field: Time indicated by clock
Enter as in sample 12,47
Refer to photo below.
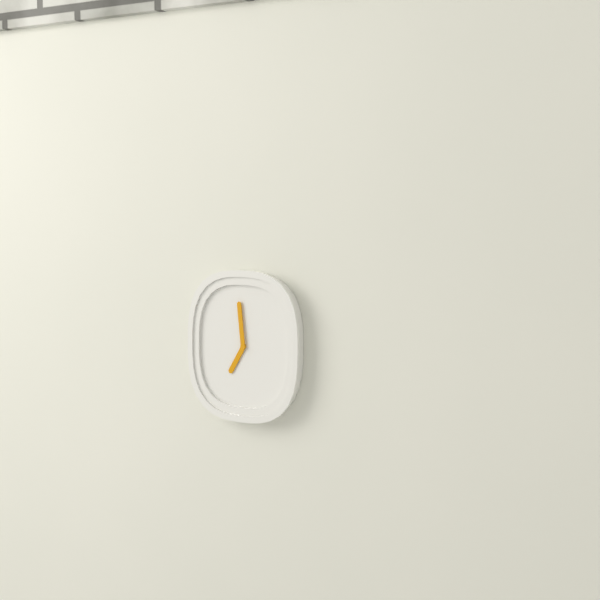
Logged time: 6,59
